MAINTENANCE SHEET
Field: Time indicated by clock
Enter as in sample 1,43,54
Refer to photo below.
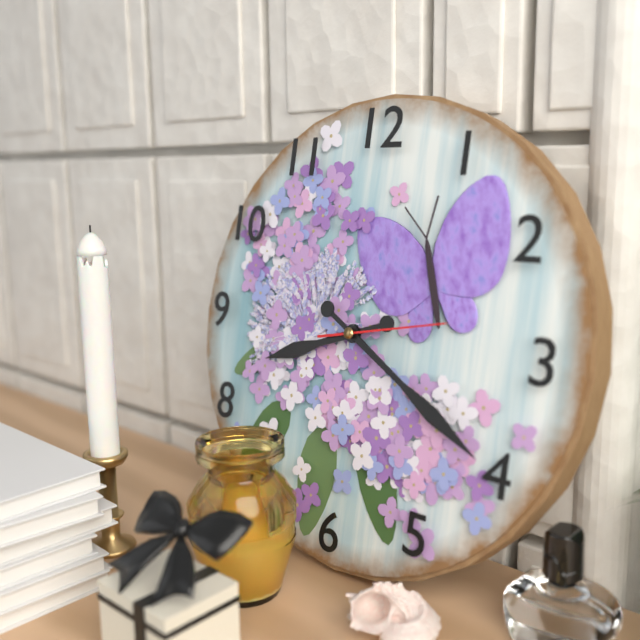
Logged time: 8,20,13
